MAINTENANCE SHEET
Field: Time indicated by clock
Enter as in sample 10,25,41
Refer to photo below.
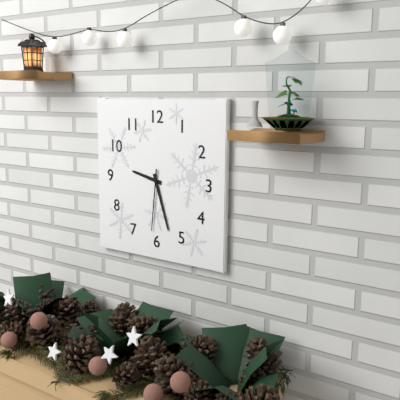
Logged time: 9,27,31
